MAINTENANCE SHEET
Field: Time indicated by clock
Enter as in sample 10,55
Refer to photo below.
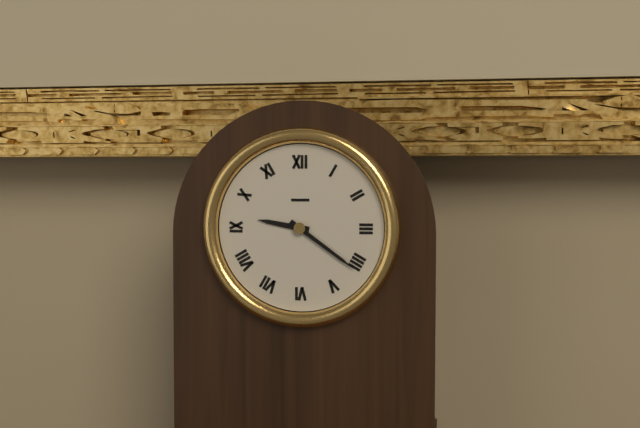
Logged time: 9,21
